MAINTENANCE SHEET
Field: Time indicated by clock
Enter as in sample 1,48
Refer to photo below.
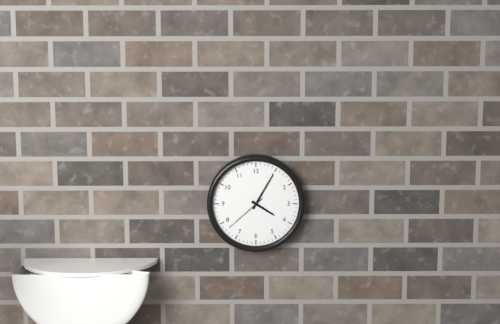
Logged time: 4,05
